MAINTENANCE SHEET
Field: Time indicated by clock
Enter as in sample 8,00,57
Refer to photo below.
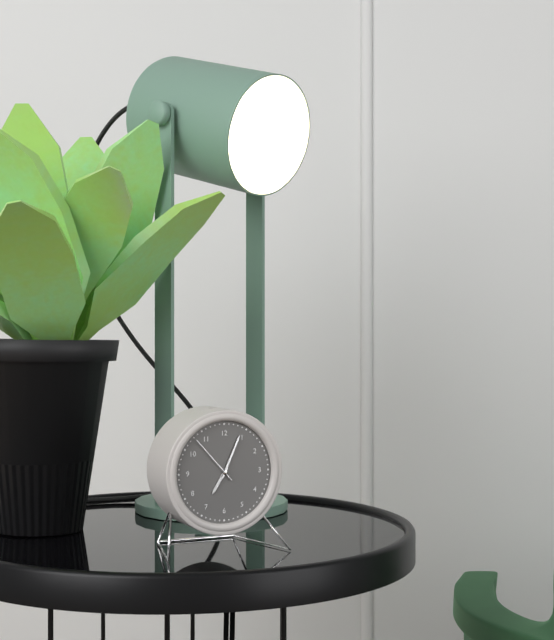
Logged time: 7,04,53
